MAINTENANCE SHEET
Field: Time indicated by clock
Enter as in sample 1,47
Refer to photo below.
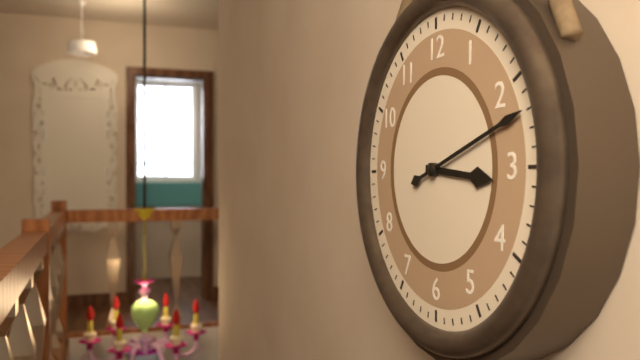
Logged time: 3,12
